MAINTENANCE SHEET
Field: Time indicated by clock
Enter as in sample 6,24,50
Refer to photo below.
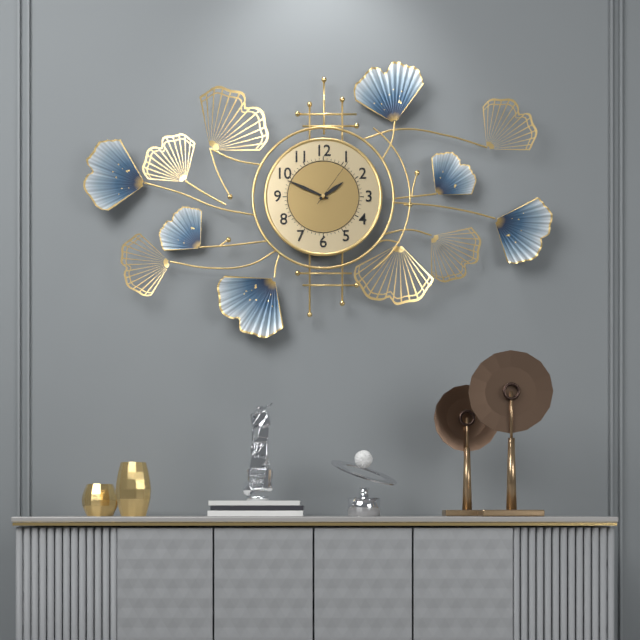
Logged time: 1,49,06
